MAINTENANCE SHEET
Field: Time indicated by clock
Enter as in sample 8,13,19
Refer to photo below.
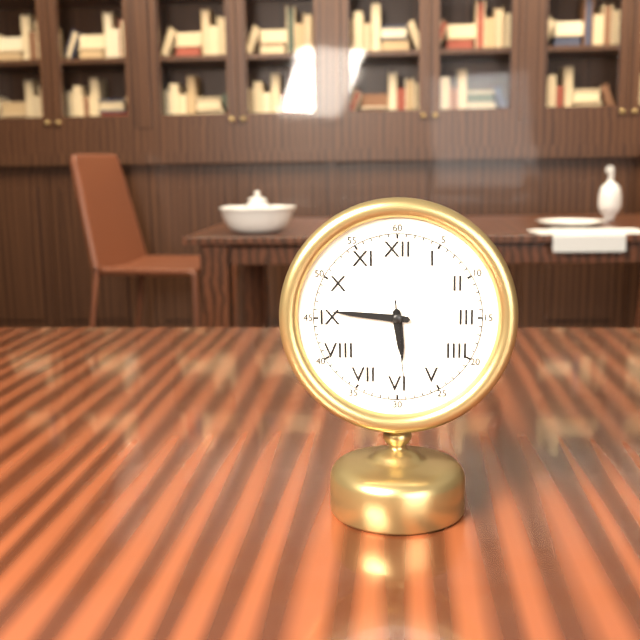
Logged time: 5,46,29
